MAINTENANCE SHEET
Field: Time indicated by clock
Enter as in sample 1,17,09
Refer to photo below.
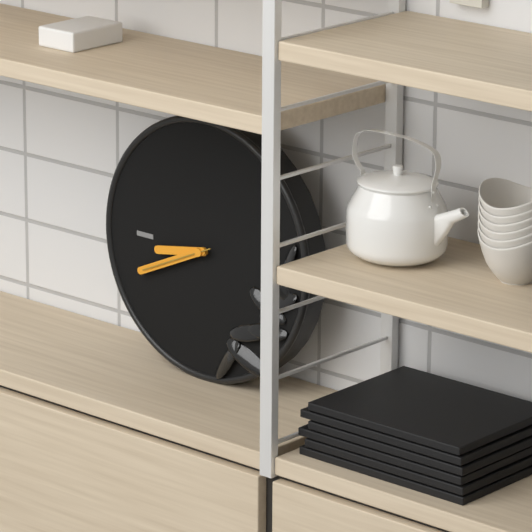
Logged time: 8,41,41
